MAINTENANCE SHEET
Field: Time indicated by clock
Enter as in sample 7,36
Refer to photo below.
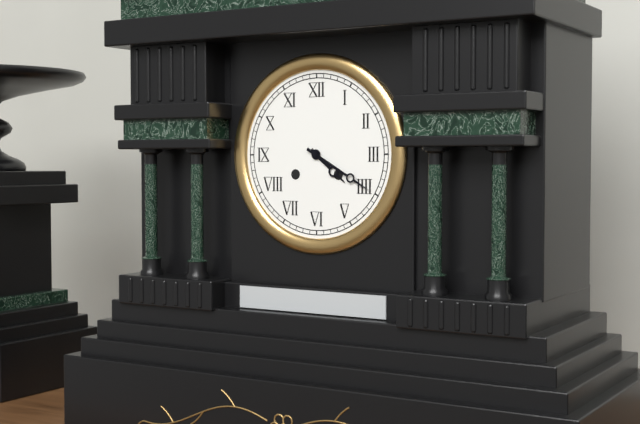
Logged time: 4,20
